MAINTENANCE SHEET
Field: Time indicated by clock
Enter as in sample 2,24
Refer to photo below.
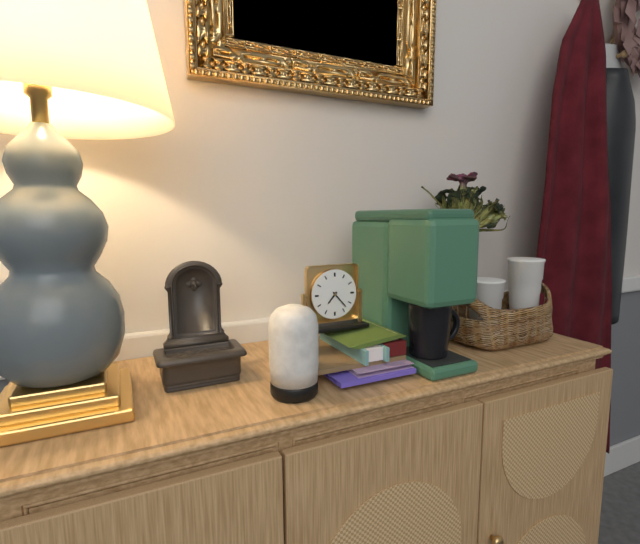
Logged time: 7,23
